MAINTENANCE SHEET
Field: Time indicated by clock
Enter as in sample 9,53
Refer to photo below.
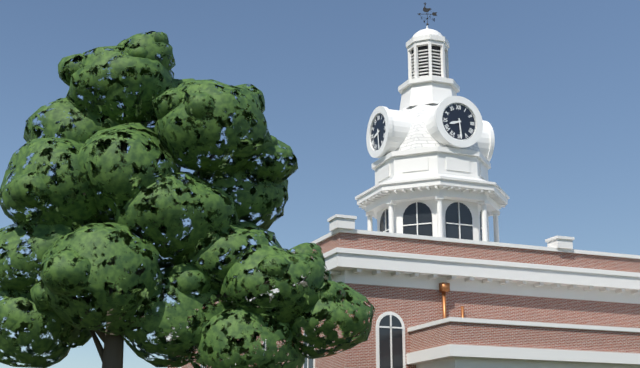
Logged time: 8,29
